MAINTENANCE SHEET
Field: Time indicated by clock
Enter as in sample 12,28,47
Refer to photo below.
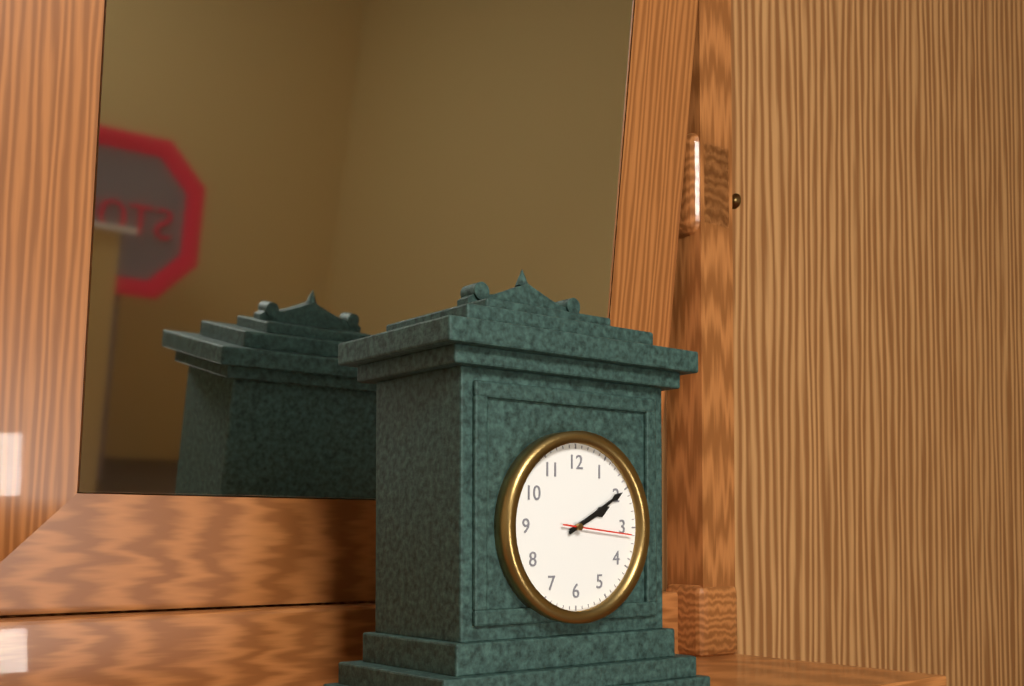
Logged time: 2,10,16
